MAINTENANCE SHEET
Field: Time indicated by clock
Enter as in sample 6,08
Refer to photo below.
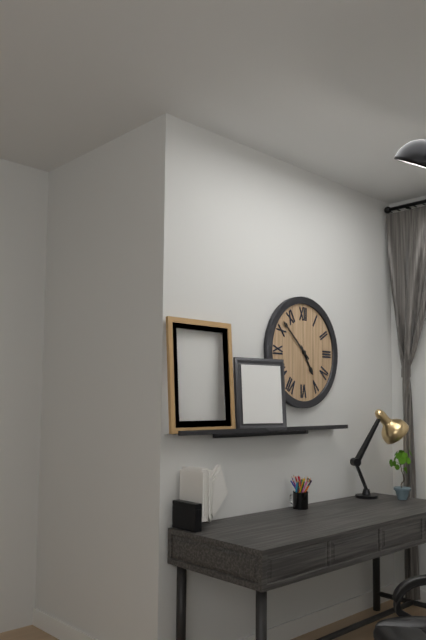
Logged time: 4,52
